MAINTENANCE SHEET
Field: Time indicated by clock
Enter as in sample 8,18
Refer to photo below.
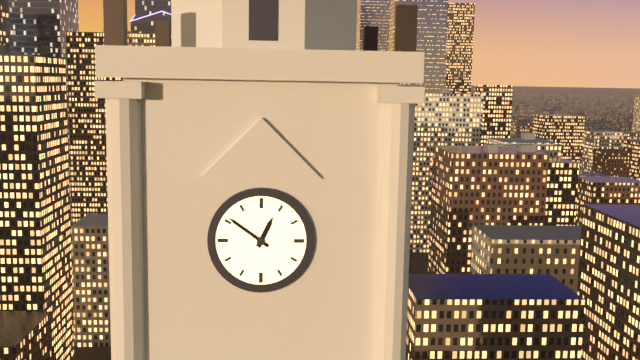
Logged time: 12,51
